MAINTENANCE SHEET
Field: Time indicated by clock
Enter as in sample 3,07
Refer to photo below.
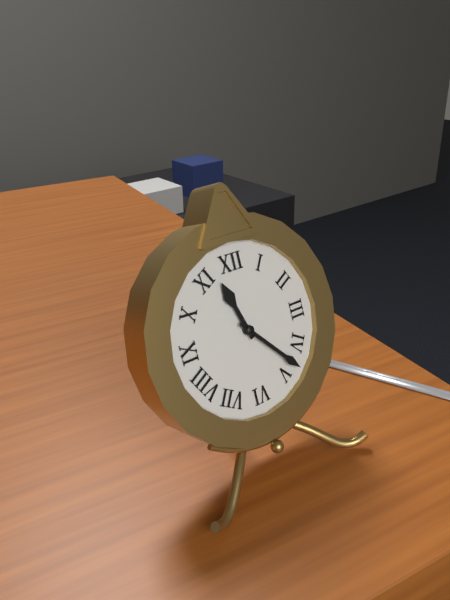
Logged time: 11,23
